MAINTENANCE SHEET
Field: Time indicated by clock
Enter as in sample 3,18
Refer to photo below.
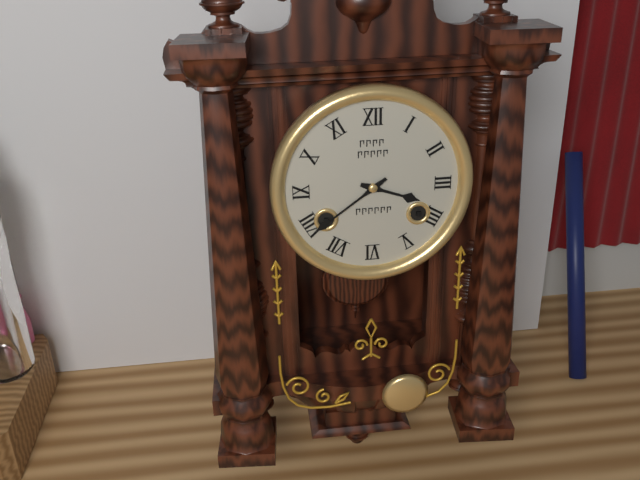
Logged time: 3,39
